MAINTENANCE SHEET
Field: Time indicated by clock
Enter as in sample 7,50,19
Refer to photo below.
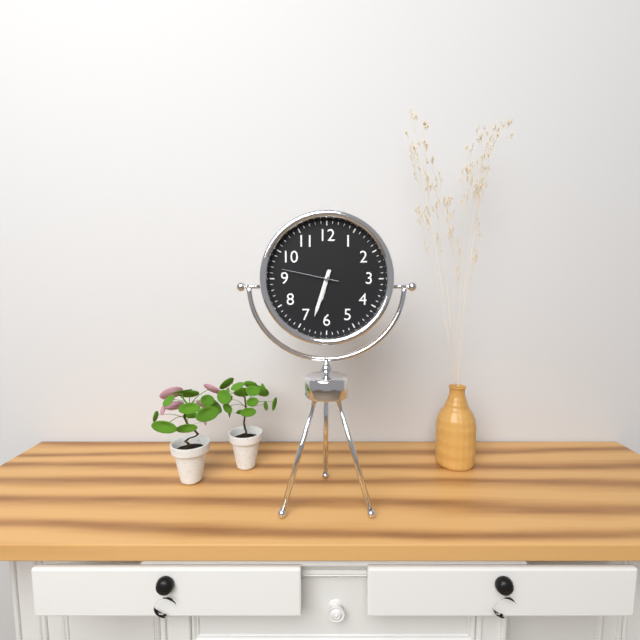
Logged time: 6,33,47
